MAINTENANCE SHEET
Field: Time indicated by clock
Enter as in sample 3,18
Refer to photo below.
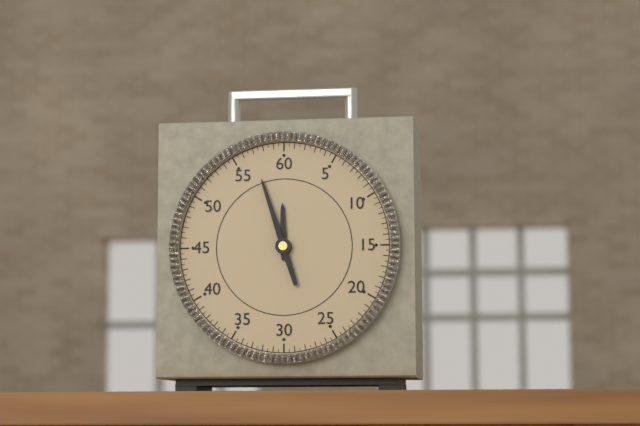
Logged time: 11,57
